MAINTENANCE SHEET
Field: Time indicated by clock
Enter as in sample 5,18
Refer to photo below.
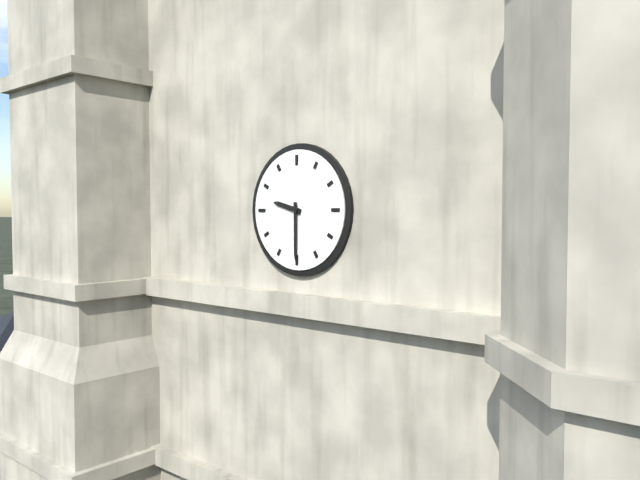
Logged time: 9,30
